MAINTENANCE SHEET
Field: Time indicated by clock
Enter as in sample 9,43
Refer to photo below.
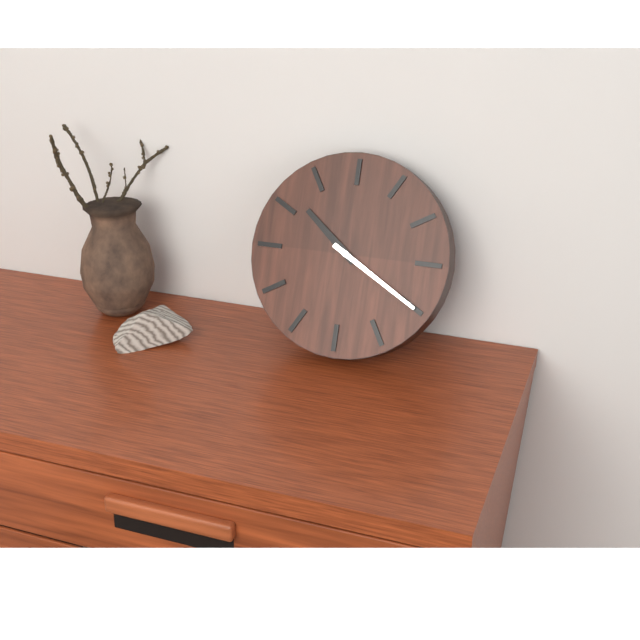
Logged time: 10,20
